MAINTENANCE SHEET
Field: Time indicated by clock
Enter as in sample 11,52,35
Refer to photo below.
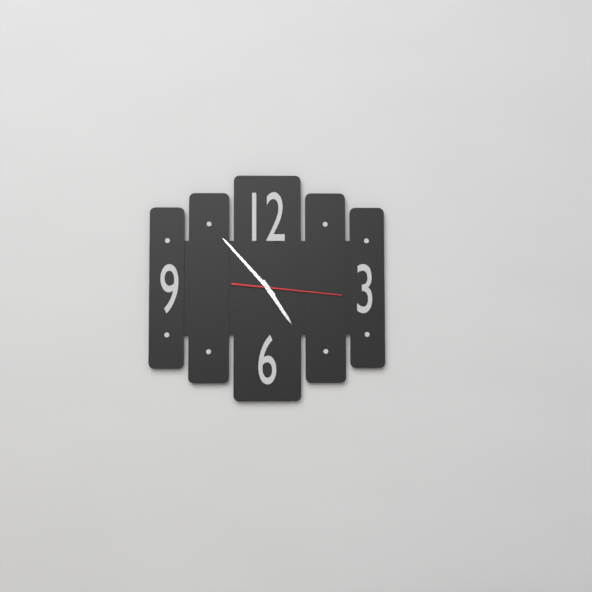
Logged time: 4,53,16
